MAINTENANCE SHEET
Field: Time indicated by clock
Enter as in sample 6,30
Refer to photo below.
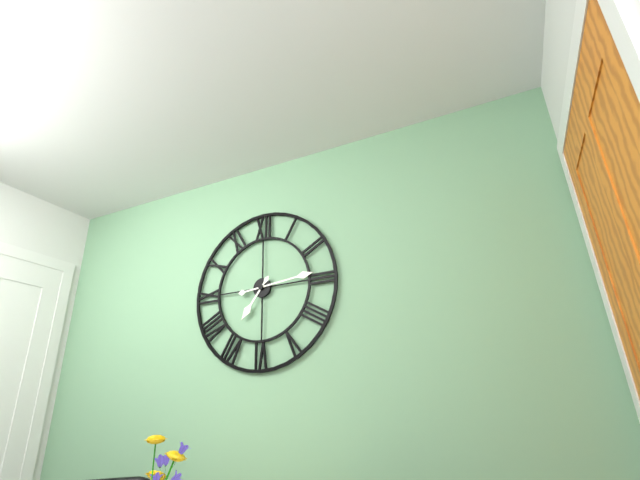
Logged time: 7,14
